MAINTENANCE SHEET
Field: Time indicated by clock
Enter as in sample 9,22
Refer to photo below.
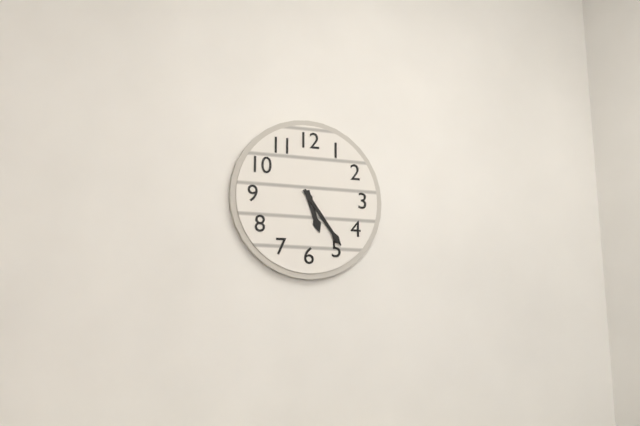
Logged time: 5,24
